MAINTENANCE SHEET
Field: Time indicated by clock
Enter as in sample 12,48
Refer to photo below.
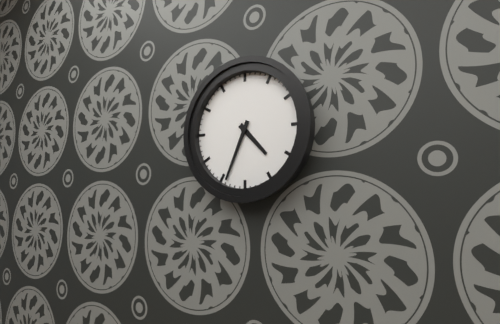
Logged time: 4,34
